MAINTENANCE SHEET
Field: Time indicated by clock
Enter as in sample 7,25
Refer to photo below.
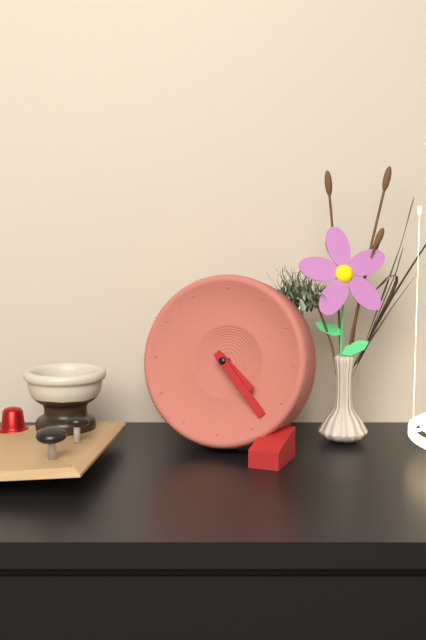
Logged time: 4,23
